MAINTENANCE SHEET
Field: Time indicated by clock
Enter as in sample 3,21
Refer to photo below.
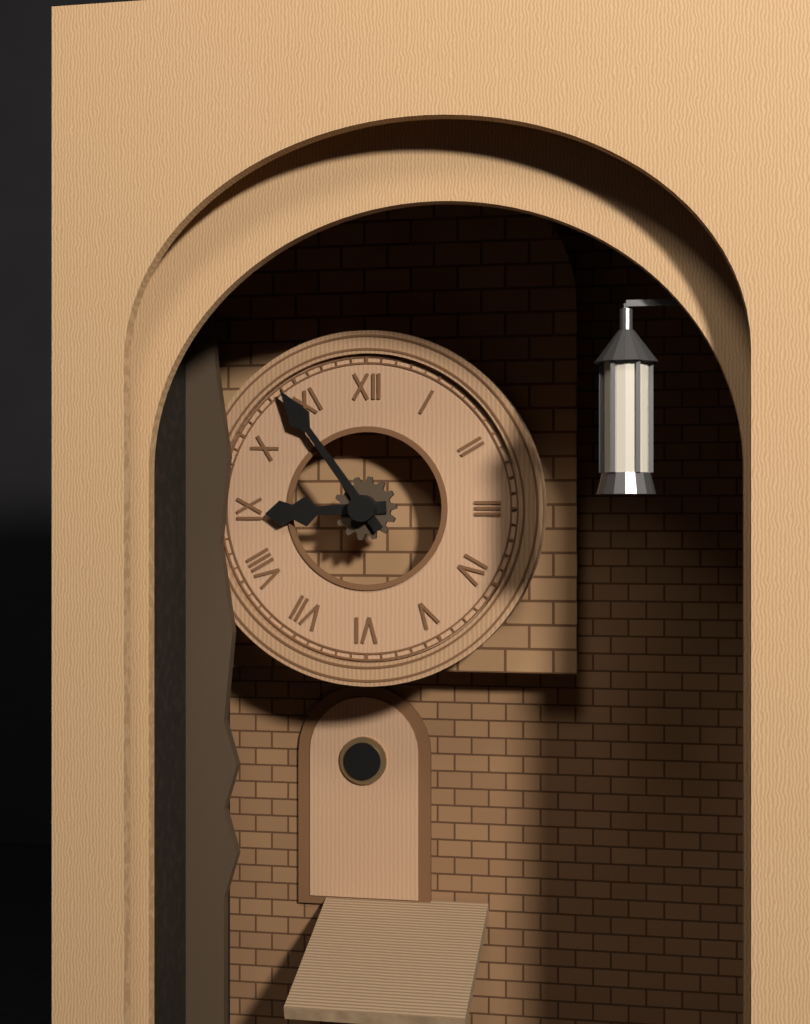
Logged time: 8,54
